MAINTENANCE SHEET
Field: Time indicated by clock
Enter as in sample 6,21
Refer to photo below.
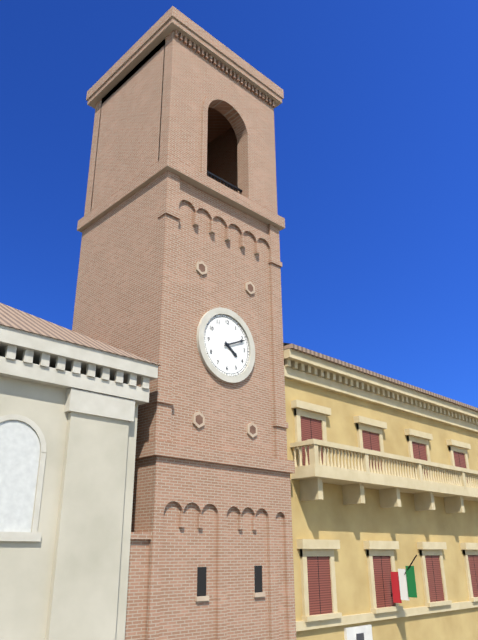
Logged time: 4,11
